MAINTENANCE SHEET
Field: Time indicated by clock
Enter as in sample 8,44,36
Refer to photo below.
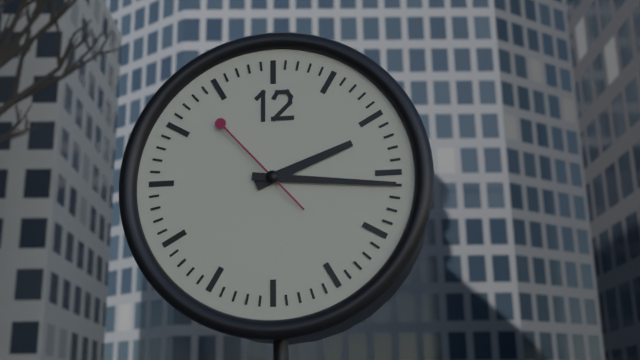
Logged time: 2,16,53
